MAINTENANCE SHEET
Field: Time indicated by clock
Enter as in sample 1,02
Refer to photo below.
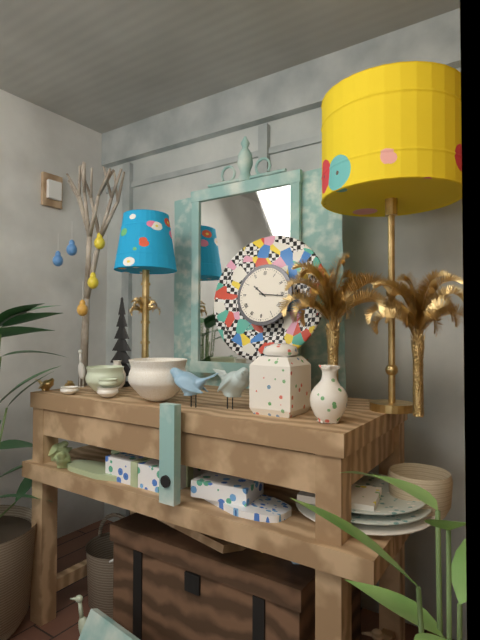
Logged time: 10,16
